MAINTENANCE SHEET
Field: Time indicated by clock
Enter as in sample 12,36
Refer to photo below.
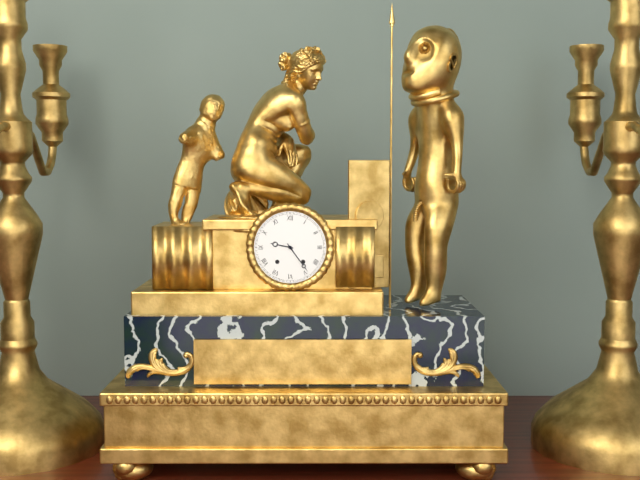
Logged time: 9,24
